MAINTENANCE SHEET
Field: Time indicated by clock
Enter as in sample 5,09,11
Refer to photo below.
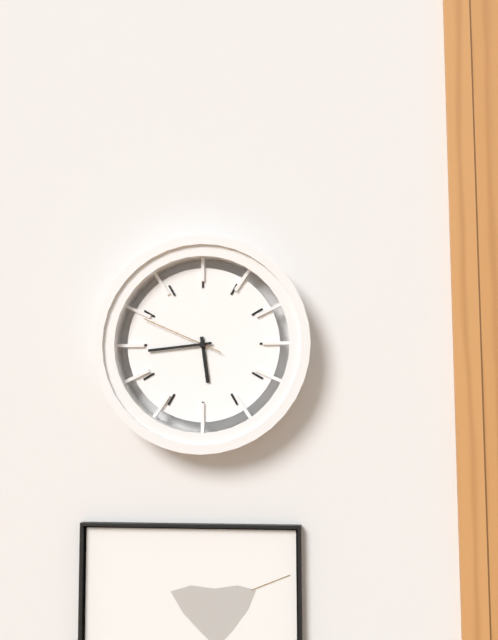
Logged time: 5,44,49
